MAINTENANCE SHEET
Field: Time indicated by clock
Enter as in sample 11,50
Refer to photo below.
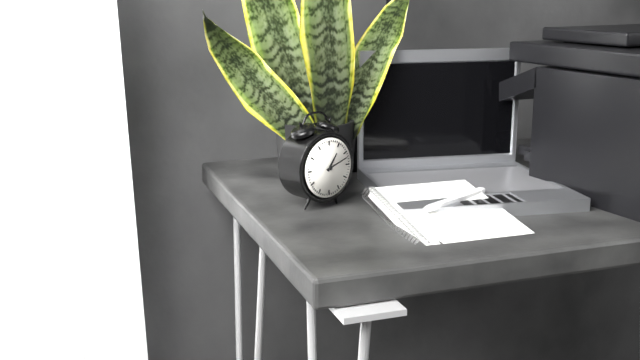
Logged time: 1,12
